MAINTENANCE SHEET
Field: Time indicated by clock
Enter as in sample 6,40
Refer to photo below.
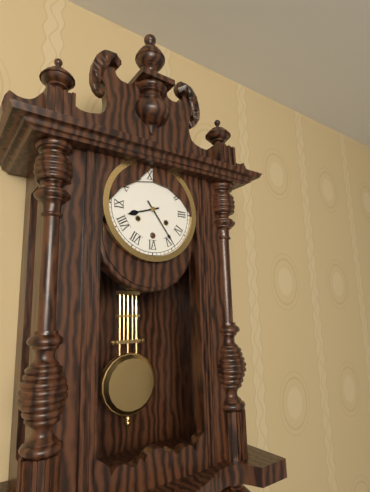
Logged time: 8,24
